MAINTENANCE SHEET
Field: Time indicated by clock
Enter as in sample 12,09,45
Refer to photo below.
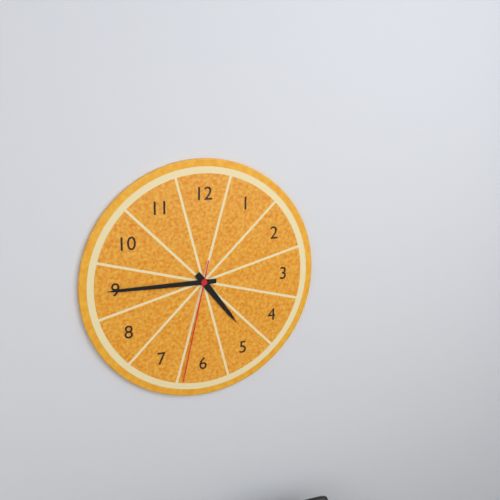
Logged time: 4,45,32
